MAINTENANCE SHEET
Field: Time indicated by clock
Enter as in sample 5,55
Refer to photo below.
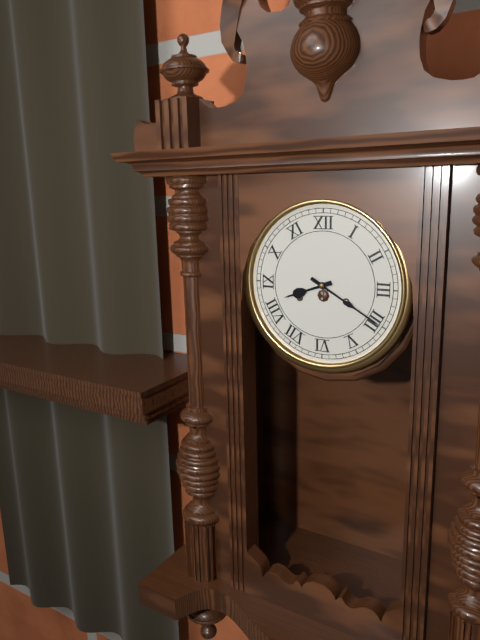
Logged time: 8,20
